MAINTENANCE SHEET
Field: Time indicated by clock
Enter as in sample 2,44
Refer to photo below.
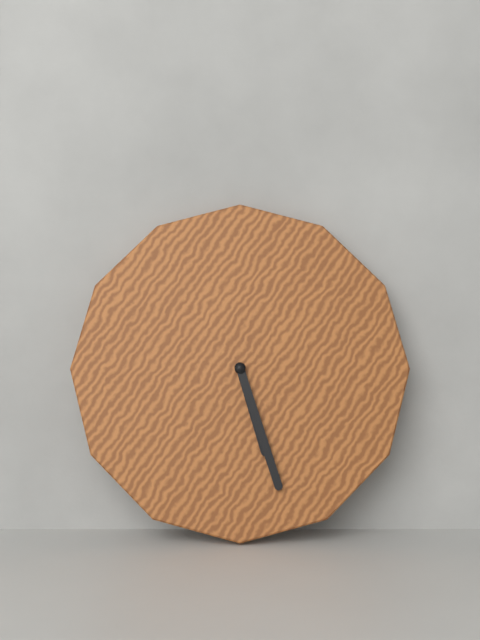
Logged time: 5,27
